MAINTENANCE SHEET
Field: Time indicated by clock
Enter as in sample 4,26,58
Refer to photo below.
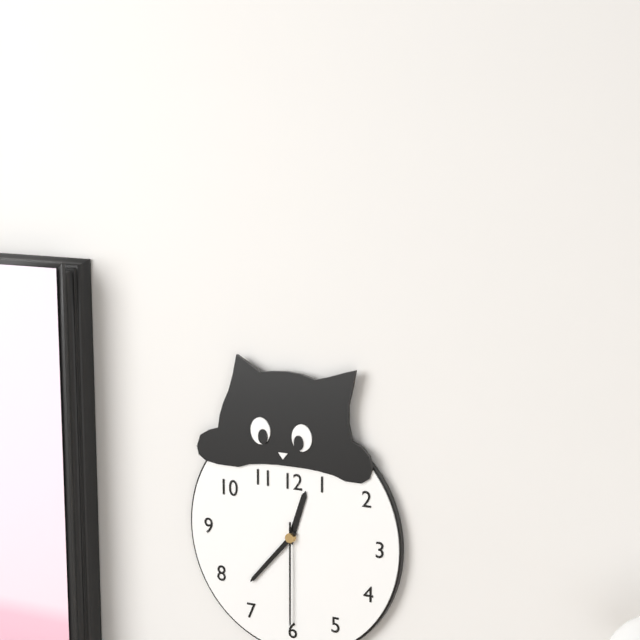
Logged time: 12,37,30
